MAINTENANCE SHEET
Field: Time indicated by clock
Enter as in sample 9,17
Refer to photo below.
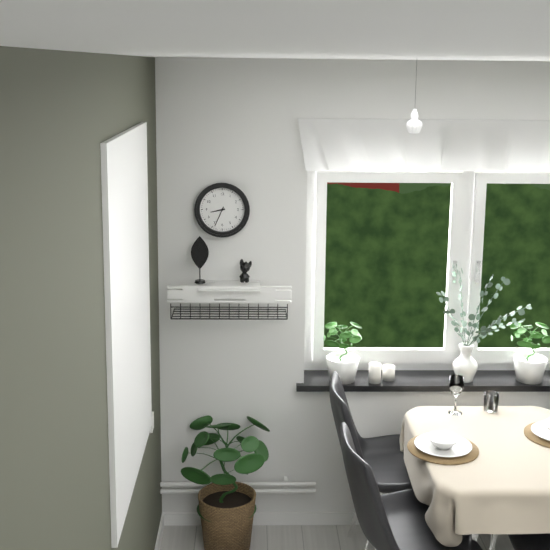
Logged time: 8,34
